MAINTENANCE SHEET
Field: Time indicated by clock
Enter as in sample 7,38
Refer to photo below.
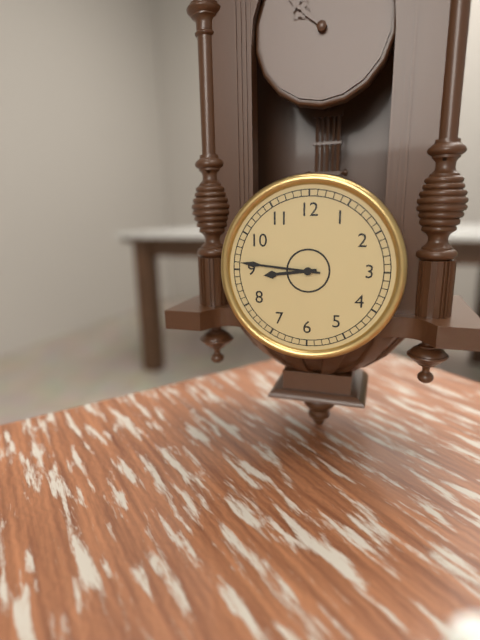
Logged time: 8,46
